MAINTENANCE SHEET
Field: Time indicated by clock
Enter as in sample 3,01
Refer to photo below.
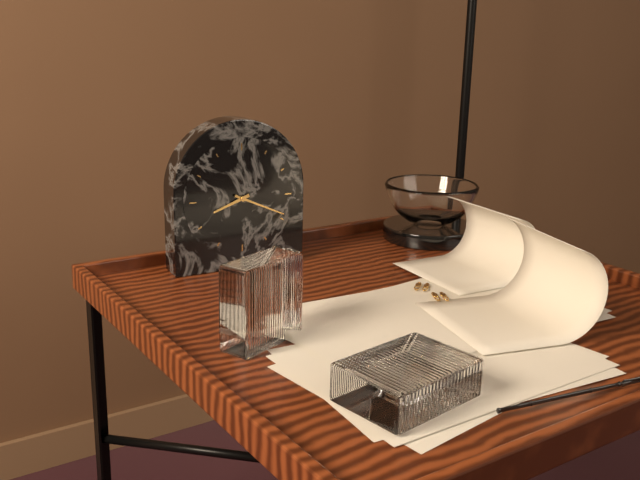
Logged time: 8,19
